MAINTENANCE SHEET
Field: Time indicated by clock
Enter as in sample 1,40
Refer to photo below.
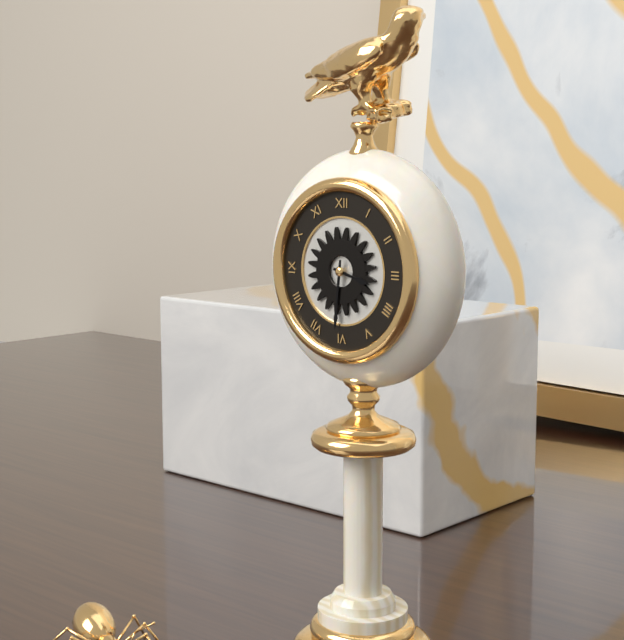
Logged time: 3,31
